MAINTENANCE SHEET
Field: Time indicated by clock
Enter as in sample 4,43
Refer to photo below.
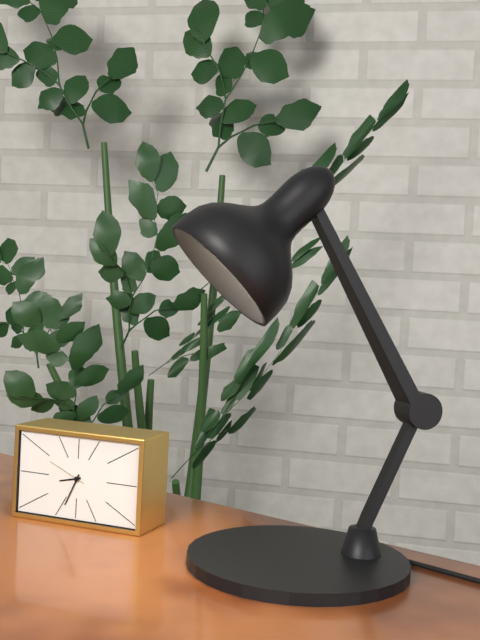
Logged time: 8,34
